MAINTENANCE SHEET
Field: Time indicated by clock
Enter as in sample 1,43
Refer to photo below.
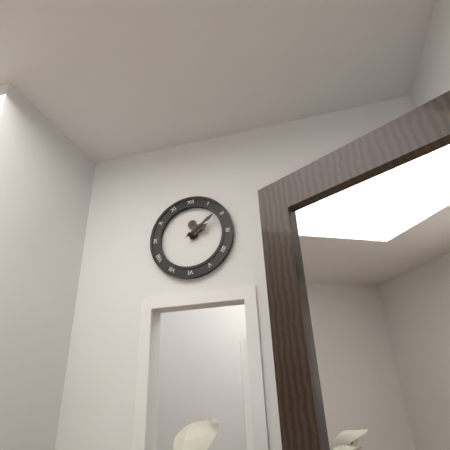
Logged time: 2,09
